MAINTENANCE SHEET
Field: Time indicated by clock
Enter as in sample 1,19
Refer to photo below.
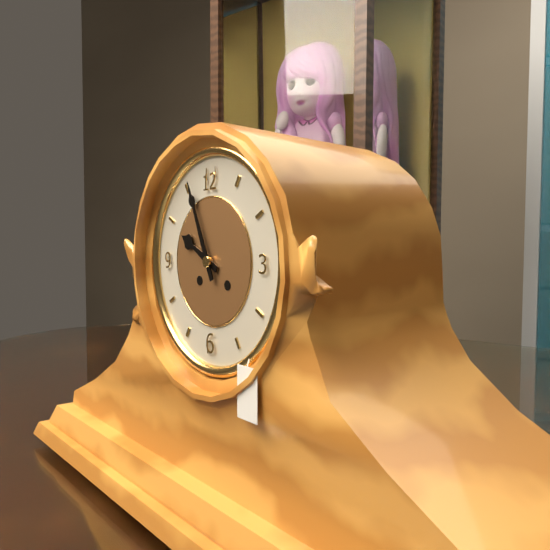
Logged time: 9,56
